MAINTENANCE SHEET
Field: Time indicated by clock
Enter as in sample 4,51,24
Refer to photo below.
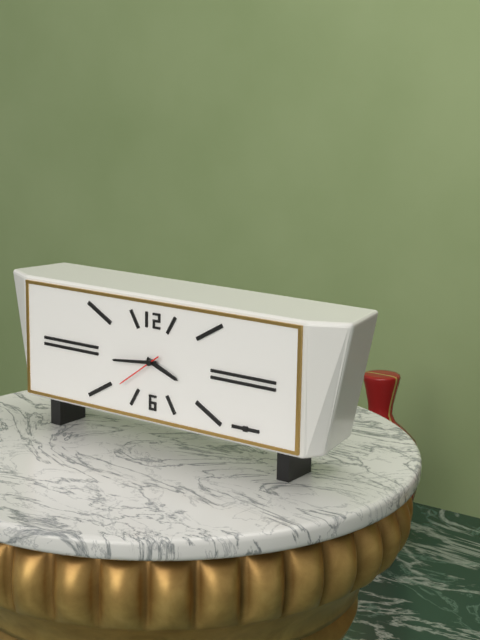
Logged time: 3,44,39
